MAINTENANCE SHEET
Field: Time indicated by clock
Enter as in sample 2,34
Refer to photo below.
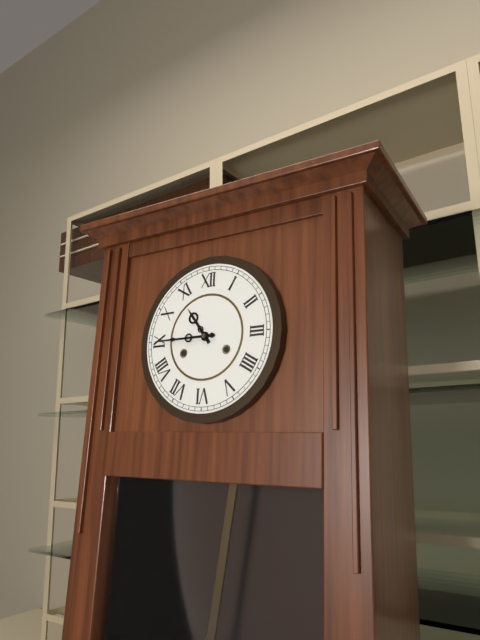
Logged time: 10,45
